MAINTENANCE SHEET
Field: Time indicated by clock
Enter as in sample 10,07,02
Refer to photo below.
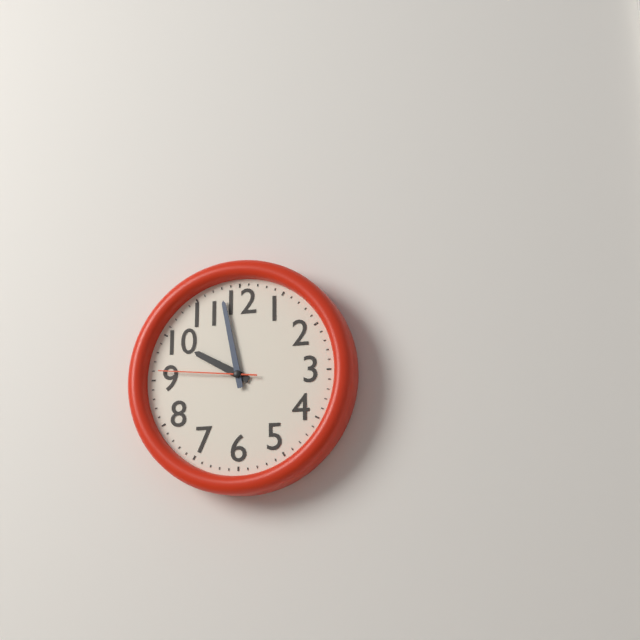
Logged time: 9,58,46
